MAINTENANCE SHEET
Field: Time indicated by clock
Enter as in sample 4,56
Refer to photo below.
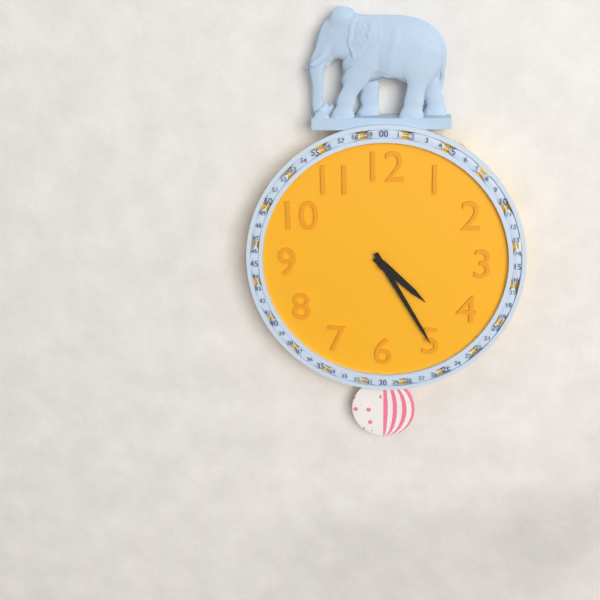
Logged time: 4,25
